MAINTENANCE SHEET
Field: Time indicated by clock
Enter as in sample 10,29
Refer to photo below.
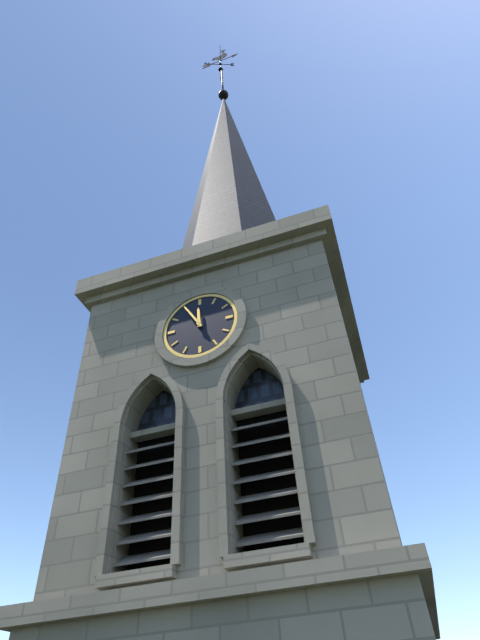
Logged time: 11,55
